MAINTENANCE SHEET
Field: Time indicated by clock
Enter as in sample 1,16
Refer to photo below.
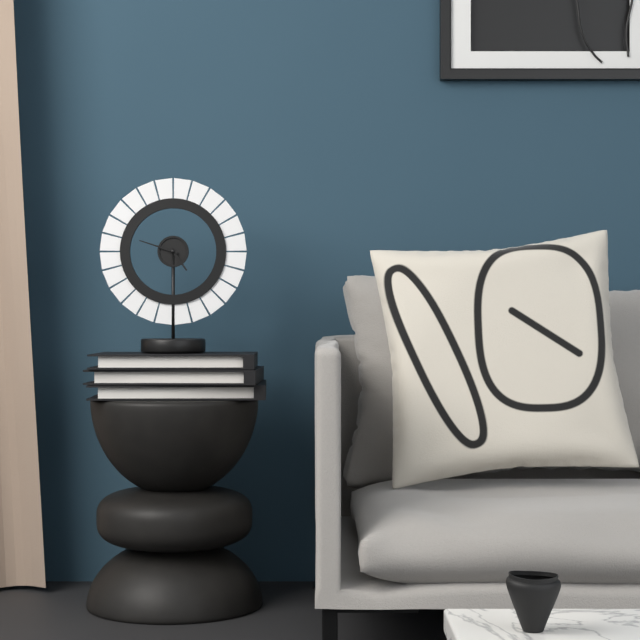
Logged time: 4,48
